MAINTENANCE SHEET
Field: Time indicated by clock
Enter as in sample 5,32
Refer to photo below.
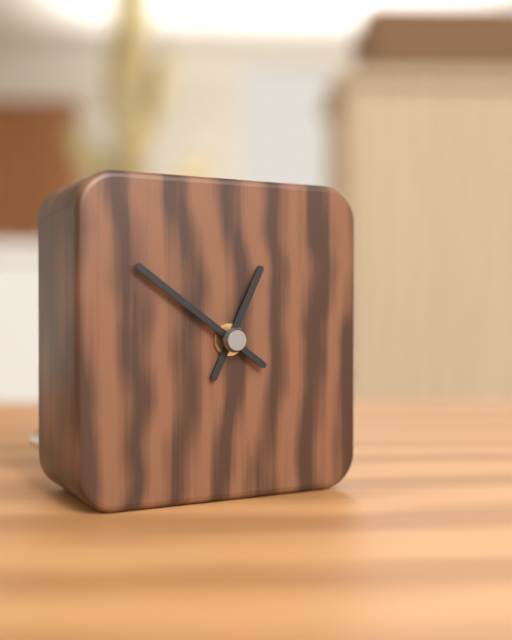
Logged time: 12,51
